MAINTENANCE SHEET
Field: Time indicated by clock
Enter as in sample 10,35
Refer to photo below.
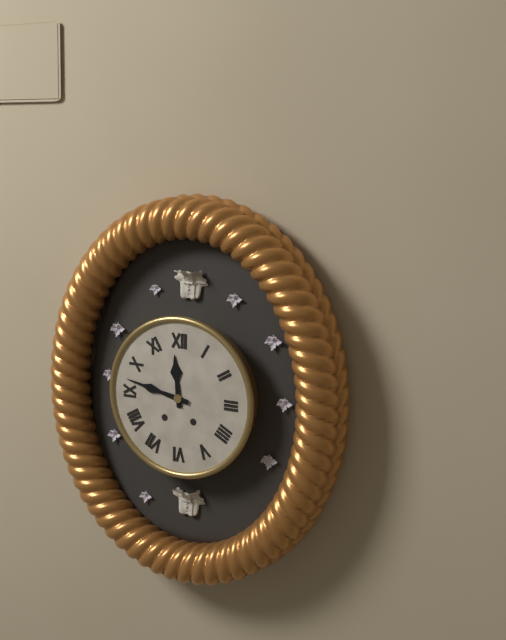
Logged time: 11,47
